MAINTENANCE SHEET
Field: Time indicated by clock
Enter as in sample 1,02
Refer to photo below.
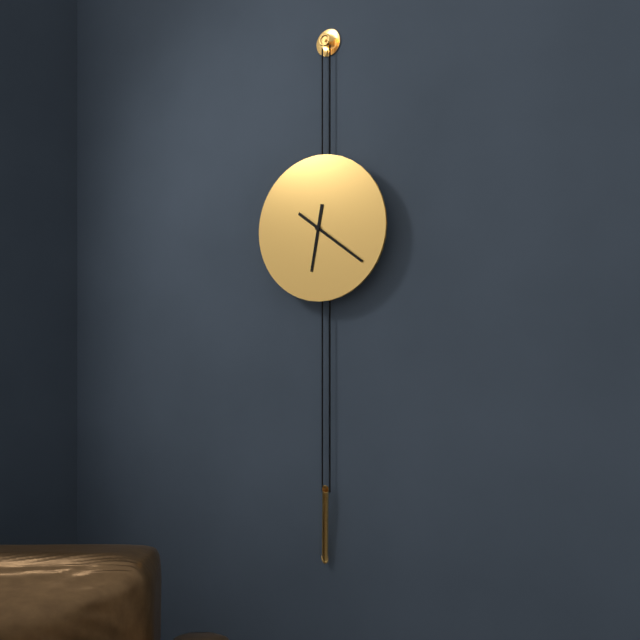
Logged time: 6,21
